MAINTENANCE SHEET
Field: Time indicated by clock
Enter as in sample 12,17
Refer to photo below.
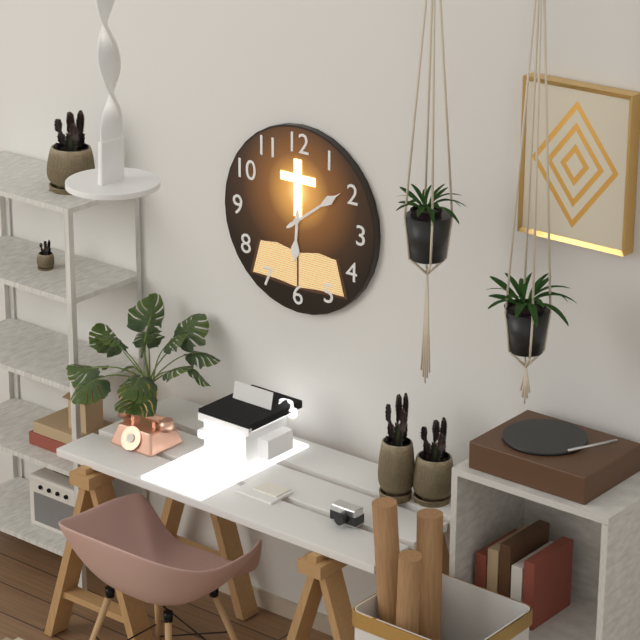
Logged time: 6,09
